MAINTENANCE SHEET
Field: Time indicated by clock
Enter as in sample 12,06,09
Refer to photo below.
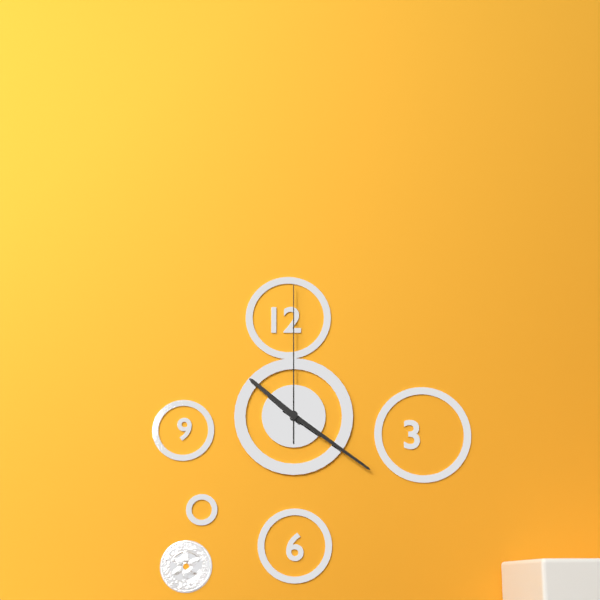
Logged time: 10,21,00
